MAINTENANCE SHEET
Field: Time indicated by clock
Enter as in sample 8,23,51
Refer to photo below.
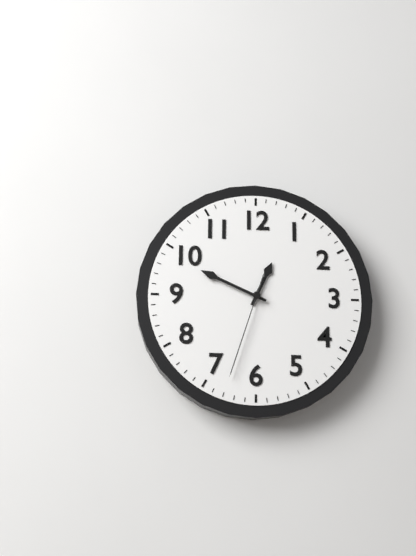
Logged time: 12,49,33
